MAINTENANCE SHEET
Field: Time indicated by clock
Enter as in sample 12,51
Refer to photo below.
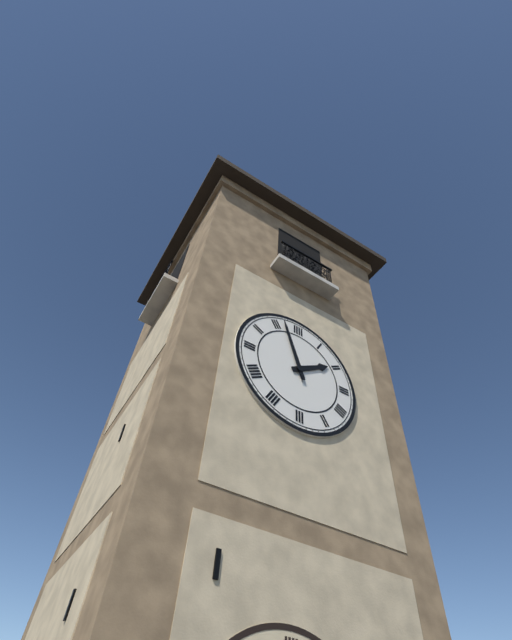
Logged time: 1,57
